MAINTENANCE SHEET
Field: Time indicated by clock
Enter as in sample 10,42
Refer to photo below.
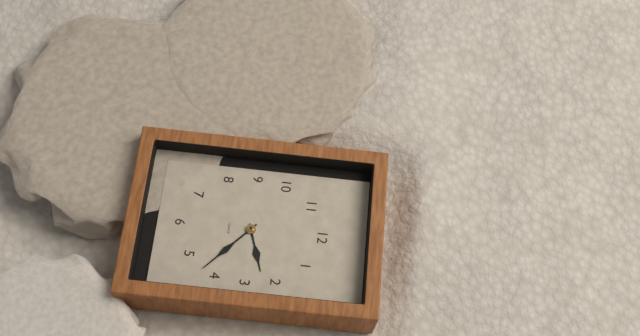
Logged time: 2,22
